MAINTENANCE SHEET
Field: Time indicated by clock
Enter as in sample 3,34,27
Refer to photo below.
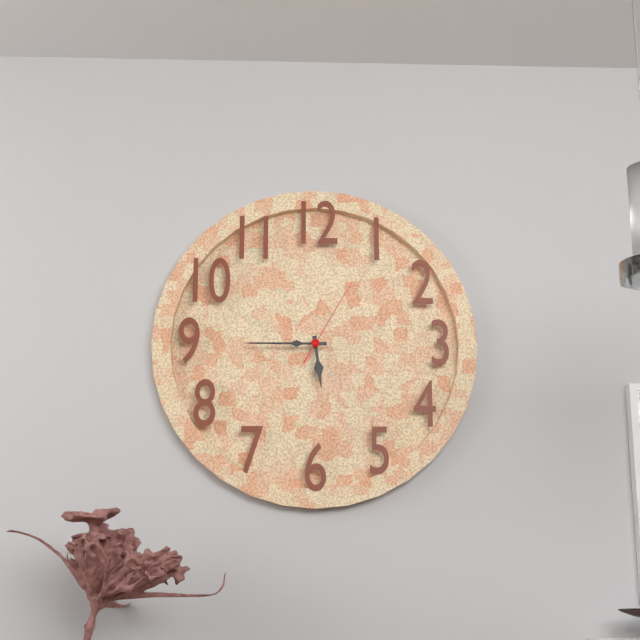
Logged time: 5,45,05
